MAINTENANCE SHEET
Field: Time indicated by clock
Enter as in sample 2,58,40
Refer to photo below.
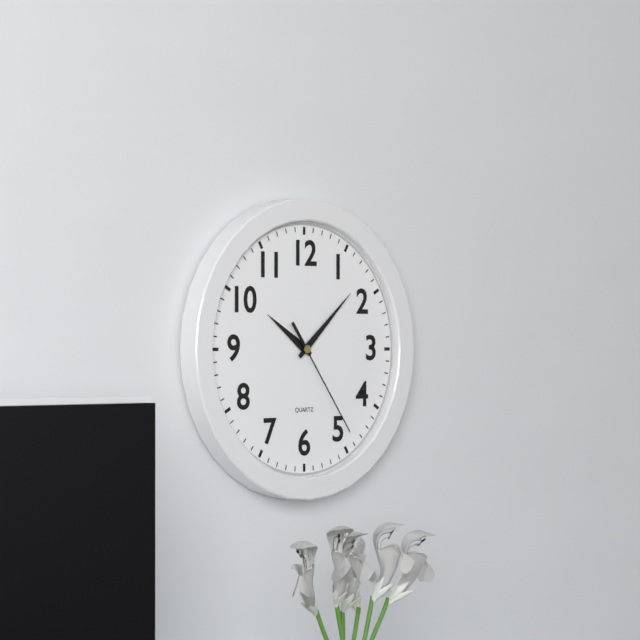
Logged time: 10,08,24
